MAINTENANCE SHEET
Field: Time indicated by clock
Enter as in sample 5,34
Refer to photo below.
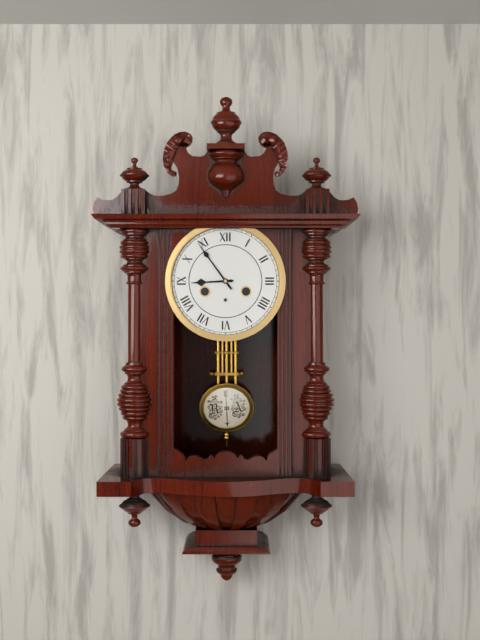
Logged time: 8,54
